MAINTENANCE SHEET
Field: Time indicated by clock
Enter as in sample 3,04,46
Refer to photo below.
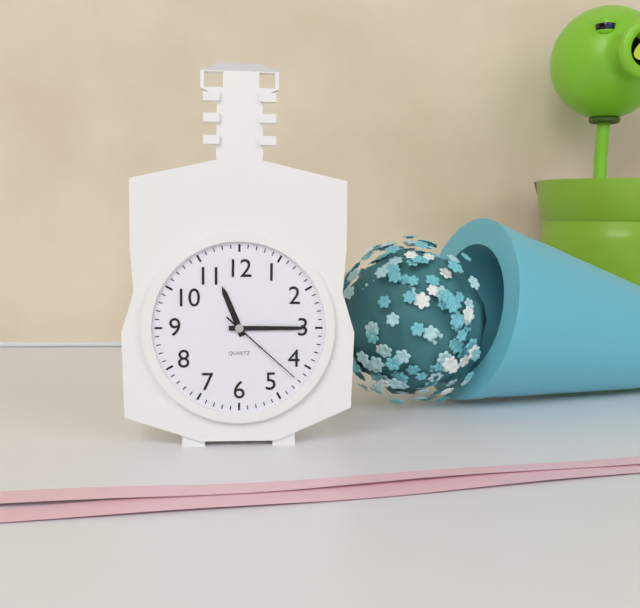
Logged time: 11,15,22
